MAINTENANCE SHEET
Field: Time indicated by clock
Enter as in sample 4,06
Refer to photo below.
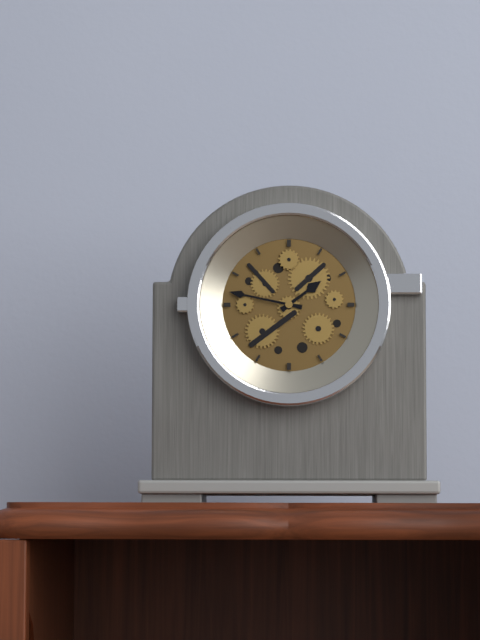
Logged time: 1,47
